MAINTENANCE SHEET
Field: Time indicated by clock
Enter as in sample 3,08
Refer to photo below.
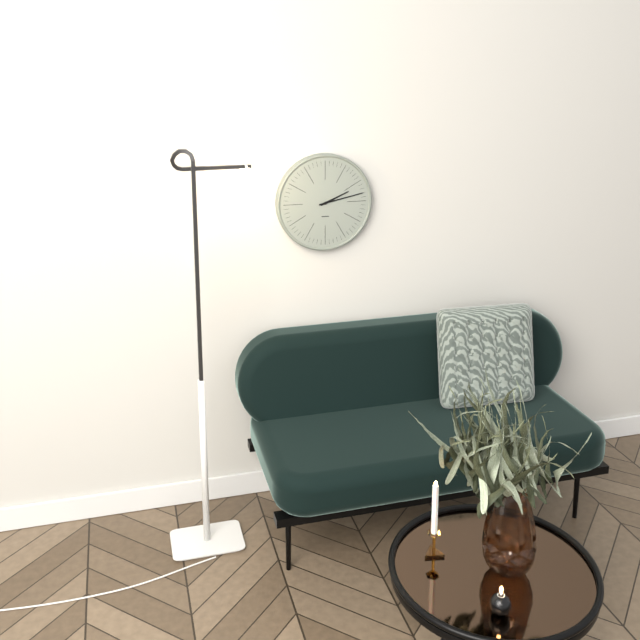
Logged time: 2,13
